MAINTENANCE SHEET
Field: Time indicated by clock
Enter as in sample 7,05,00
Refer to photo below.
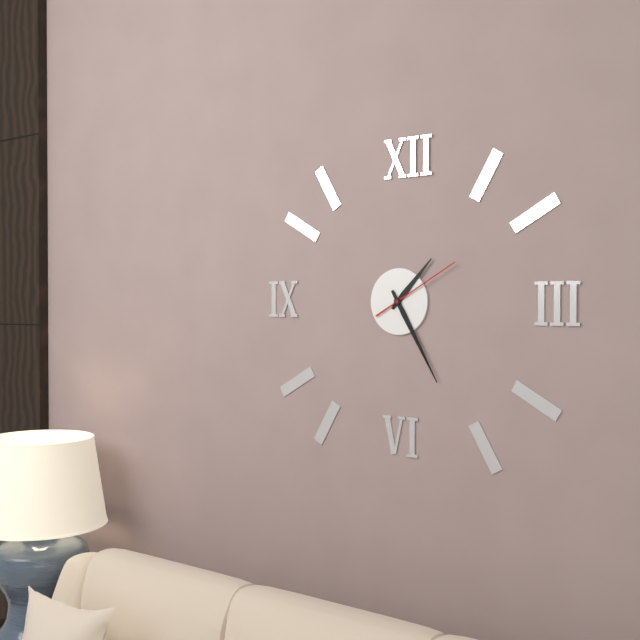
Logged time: 1,25,10
